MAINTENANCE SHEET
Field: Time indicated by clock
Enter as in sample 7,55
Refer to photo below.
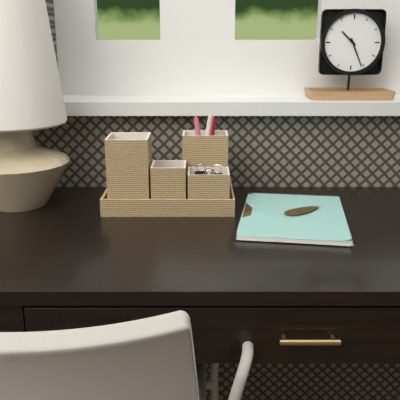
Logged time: 10,26
